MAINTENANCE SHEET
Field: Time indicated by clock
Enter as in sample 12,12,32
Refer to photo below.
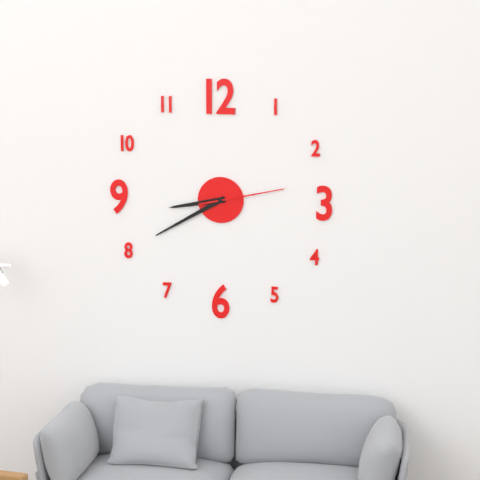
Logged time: 8,40,13
